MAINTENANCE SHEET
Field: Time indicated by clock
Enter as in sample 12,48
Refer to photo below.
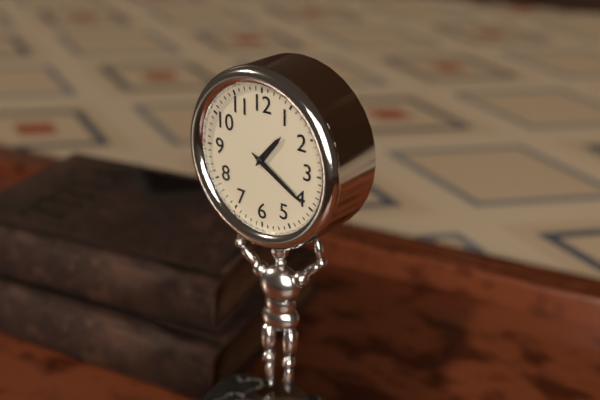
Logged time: 1,20
